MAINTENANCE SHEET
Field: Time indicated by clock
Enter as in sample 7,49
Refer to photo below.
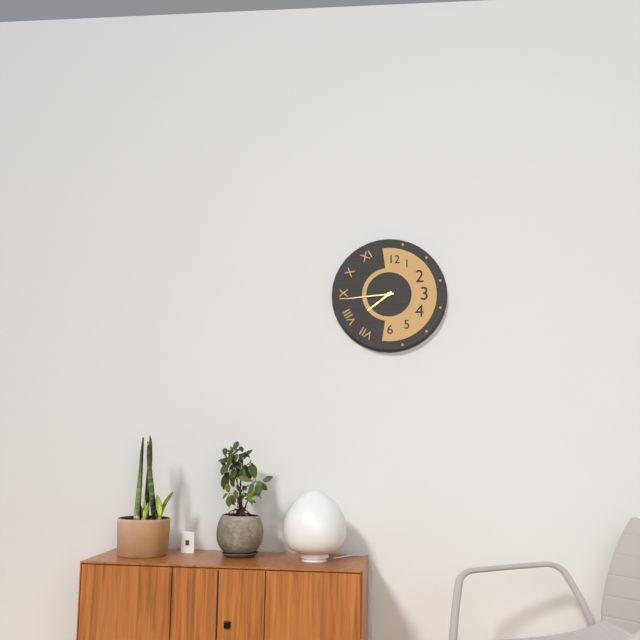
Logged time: 7,44
